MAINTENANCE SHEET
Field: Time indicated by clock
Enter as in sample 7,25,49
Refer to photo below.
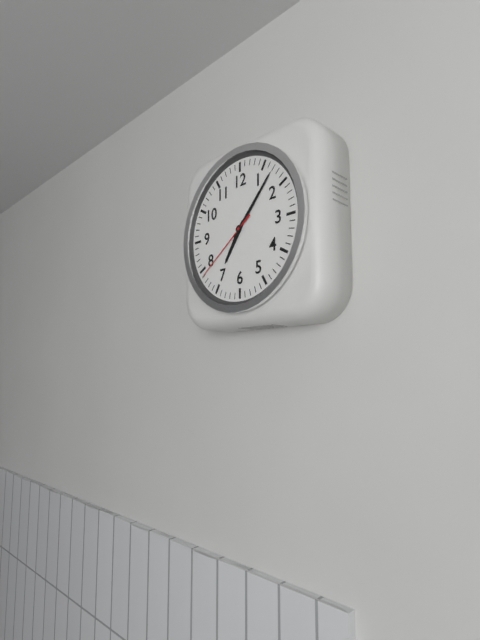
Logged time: 7,07,39
